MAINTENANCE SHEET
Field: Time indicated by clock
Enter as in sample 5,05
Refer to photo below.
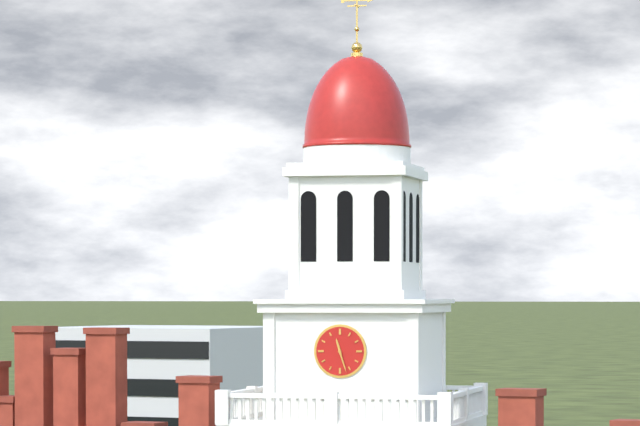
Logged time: 11,27
